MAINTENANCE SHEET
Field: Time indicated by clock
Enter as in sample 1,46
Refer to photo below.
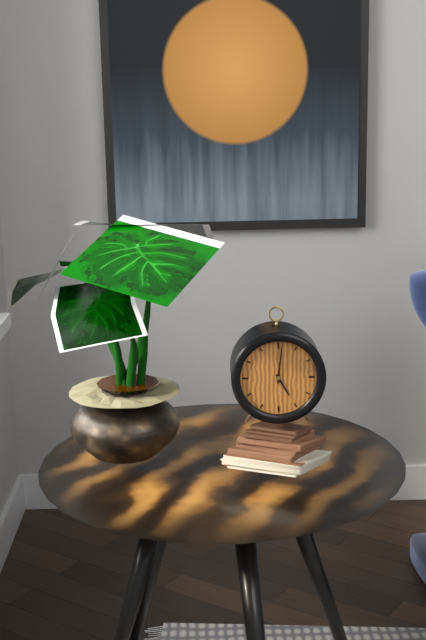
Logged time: 5,01
